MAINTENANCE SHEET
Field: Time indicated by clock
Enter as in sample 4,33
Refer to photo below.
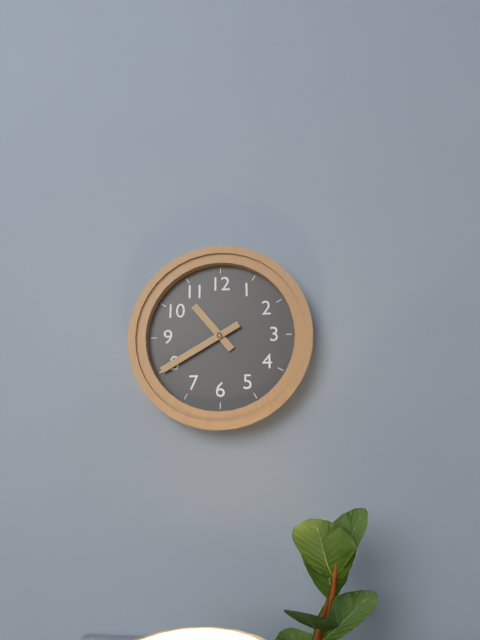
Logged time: 10,40
